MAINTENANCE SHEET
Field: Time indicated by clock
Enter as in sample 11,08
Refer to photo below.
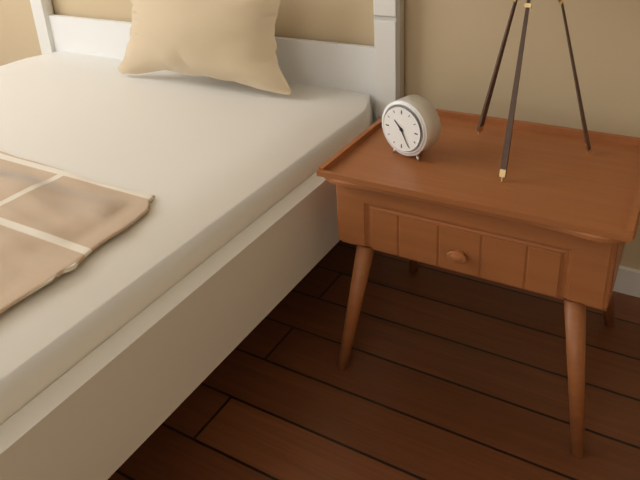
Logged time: 10,25
